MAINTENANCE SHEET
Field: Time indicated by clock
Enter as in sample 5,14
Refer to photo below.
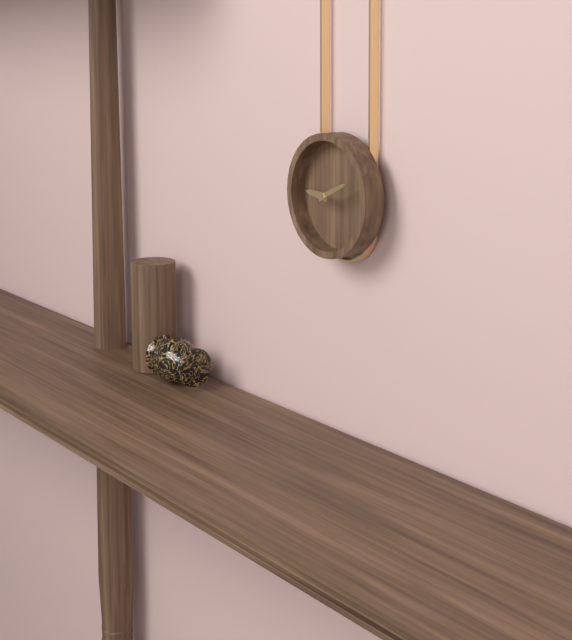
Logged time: 9,11
